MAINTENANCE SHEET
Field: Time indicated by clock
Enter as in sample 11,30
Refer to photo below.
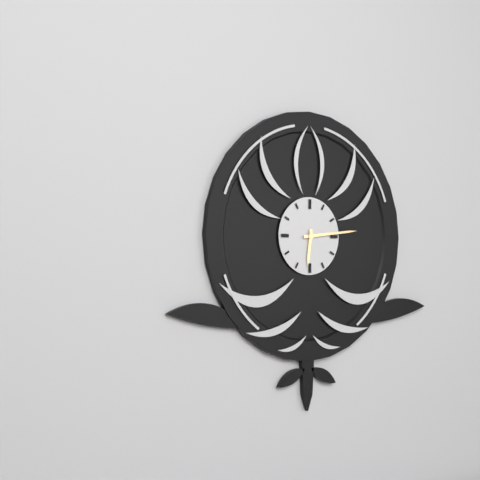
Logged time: 6,14
